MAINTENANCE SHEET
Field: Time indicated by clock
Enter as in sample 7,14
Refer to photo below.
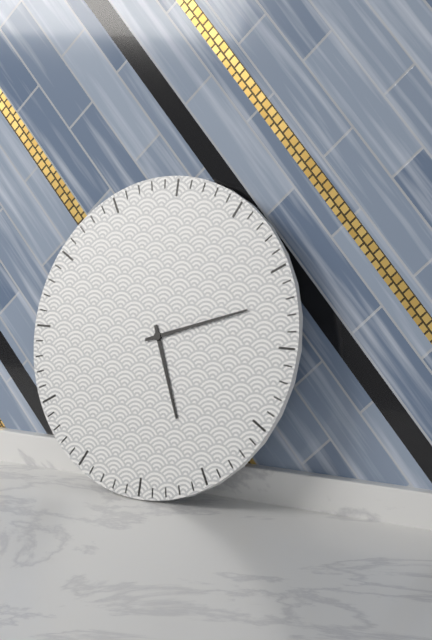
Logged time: 5,12
